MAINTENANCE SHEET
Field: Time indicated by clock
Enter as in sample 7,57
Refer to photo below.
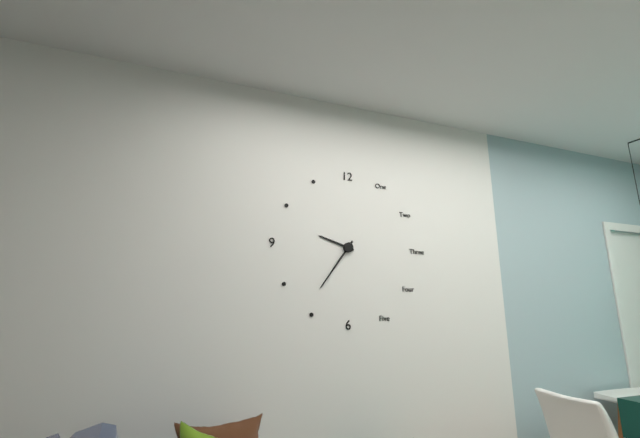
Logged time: 9,36
